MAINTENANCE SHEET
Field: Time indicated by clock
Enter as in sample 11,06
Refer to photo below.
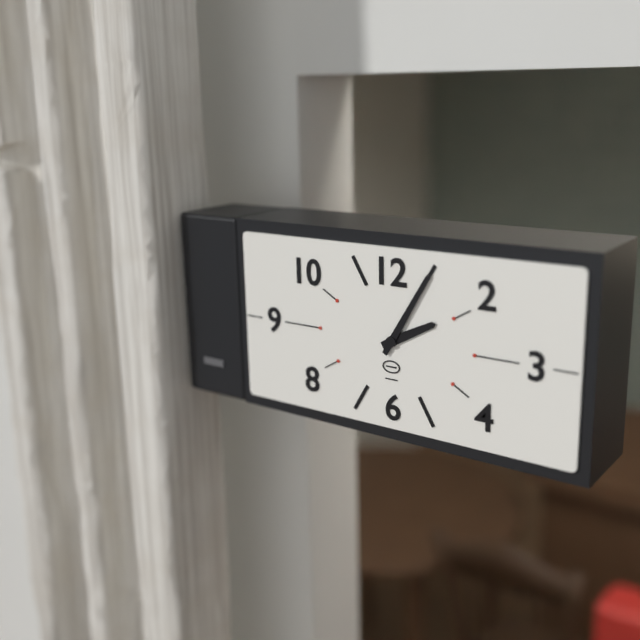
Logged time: 2,05
